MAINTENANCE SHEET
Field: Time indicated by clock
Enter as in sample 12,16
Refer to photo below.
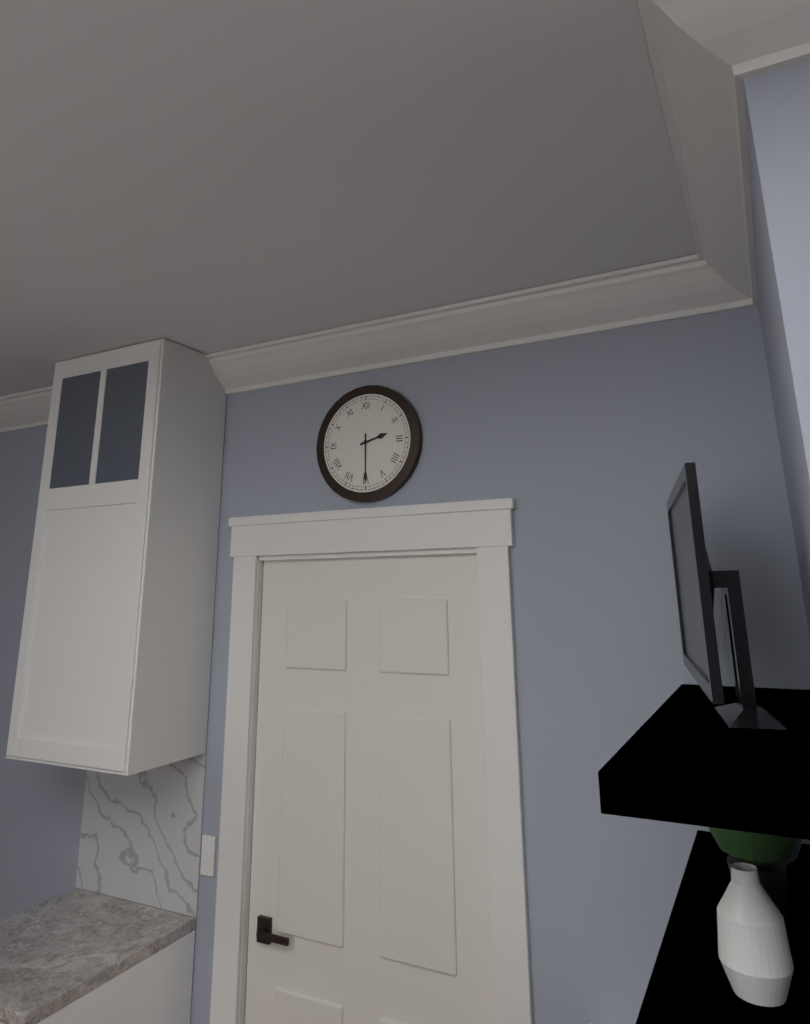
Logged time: 2,30
